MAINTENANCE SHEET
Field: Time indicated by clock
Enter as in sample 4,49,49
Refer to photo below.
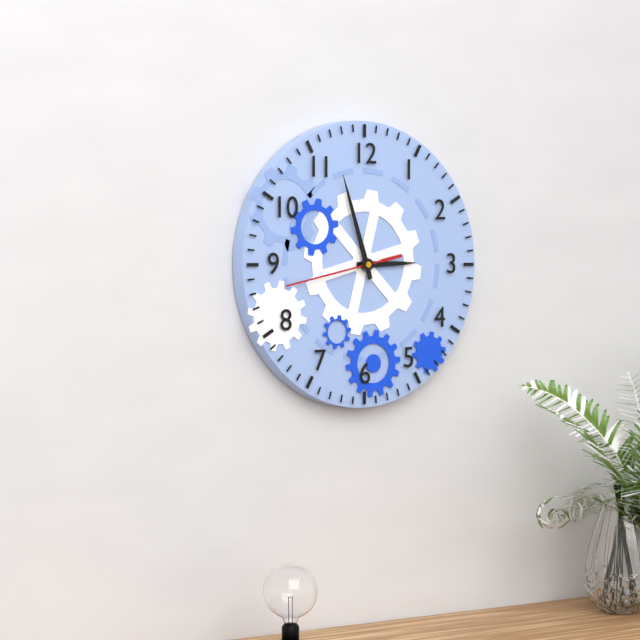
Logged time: 2,57,43
